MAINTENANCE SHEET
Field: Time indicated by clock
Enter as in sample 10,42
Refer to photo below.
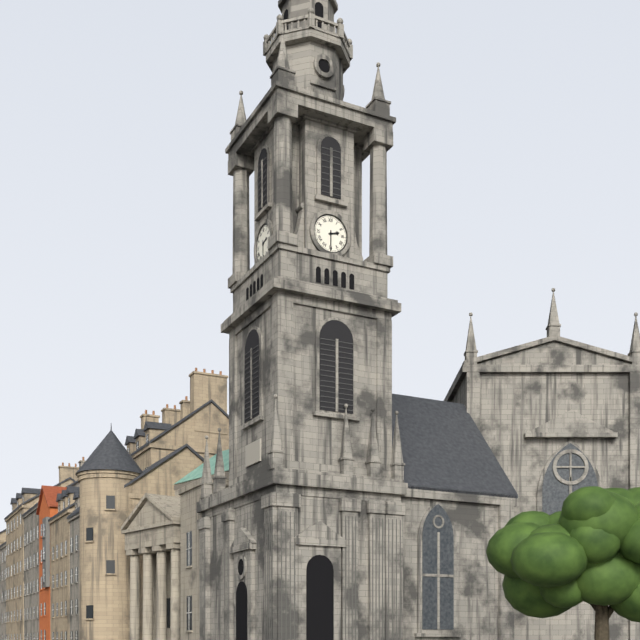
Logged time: 2,30
